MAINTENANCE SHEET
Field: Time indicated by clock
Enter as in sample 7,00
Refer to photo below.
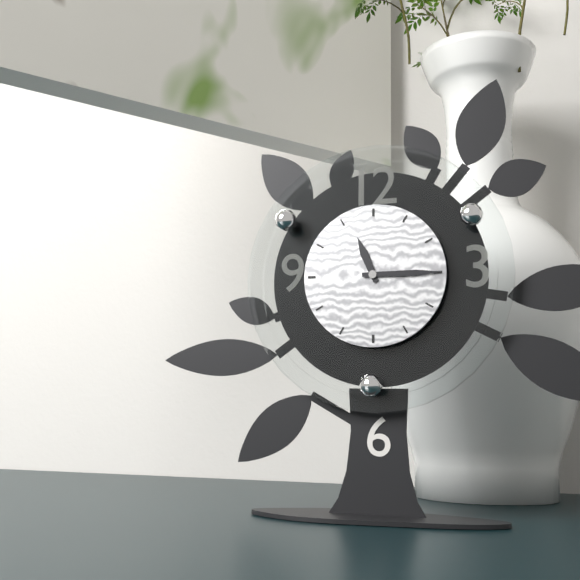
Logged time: 11,15
